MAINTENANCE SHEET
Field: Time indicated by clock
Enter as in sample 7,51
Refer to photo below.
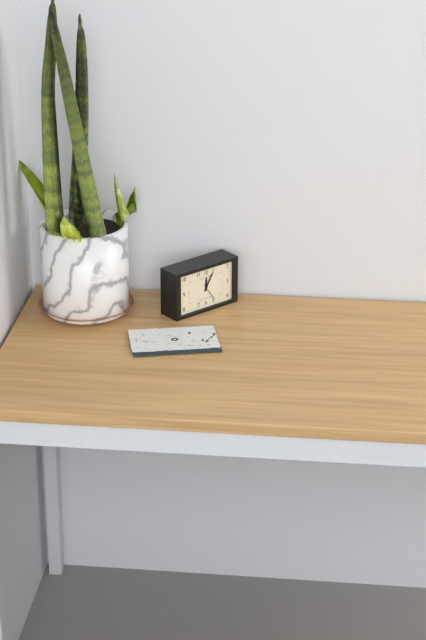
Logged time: 12,05
